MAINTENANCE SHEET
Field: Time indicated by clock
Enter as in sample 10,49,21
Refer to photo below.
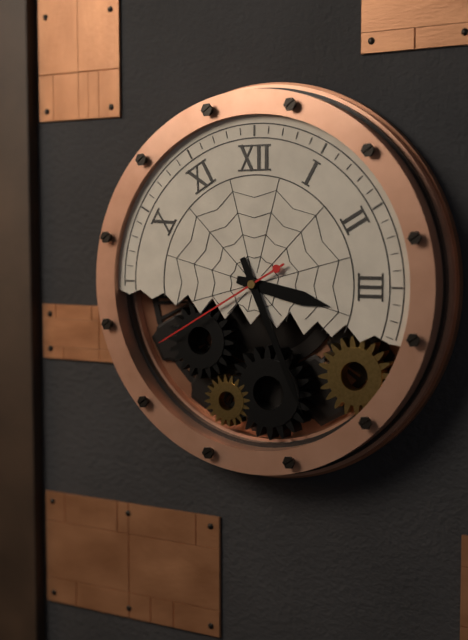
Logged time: 3,26,40
